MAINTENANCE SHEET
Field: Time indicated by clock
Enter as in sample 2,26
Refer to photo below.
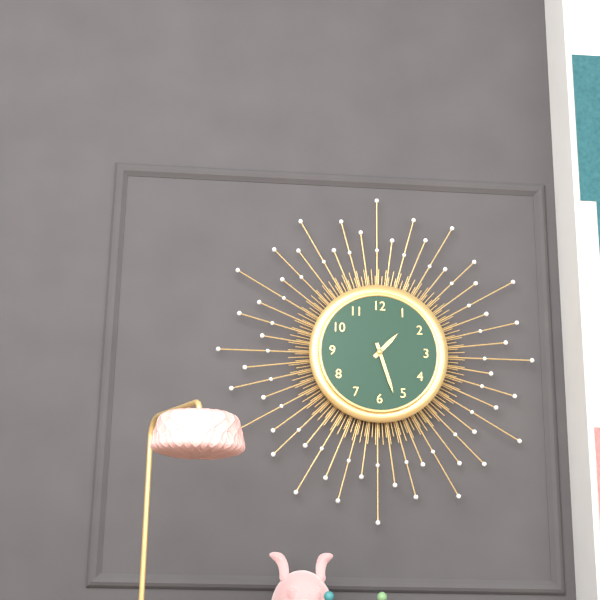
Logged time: 1,27
